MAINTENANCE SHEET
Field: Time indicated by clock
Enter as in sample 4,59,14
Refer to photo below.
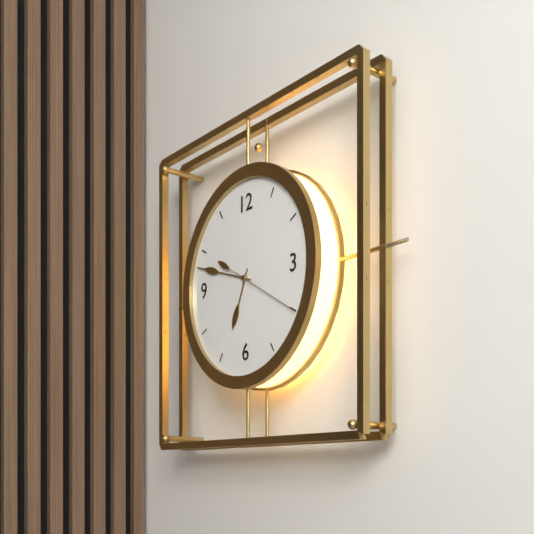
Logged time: 6,48,20
